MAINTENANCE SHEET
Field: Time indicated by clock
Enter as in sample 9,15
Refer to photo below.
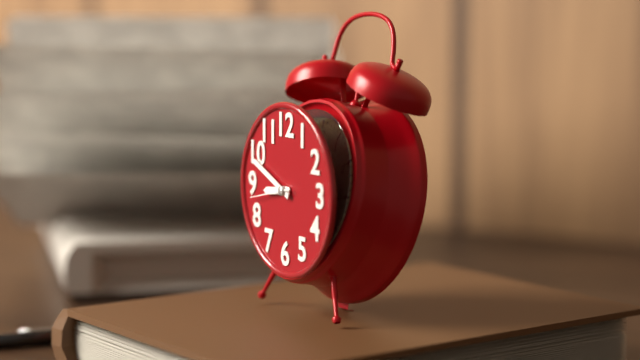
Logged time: 8,49
